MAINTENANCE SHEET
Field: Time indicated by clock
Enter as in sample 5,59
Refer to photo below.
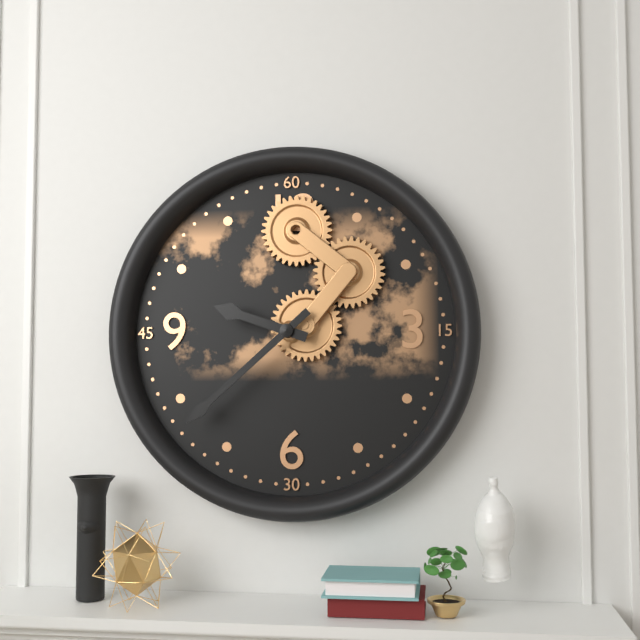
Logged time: 9,38
